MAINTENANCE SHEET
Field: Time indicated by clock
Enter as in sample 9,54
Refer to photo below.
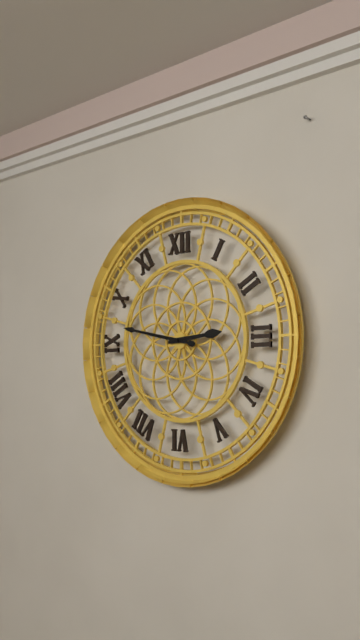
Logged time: 2,47
